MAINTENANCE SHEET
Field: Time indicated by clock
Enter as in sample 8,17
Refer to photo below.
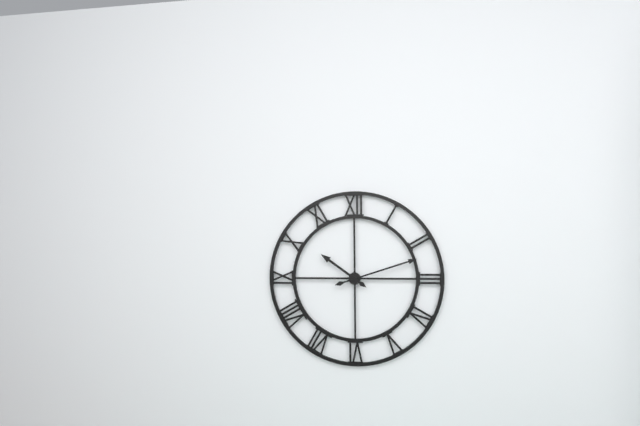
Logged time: 10,12
